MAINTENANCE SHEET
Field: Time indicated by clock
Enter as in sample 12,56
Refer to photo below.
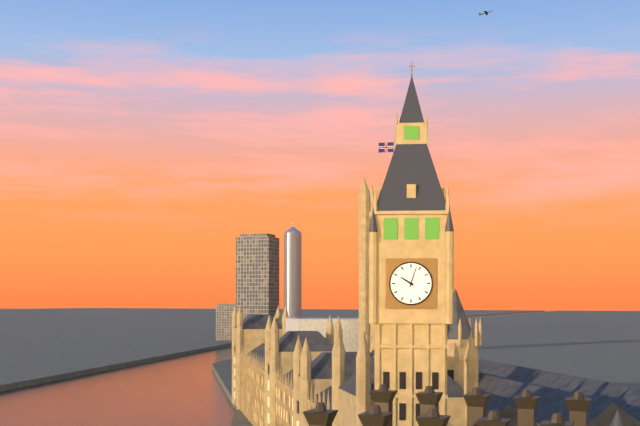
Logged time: 10,03
